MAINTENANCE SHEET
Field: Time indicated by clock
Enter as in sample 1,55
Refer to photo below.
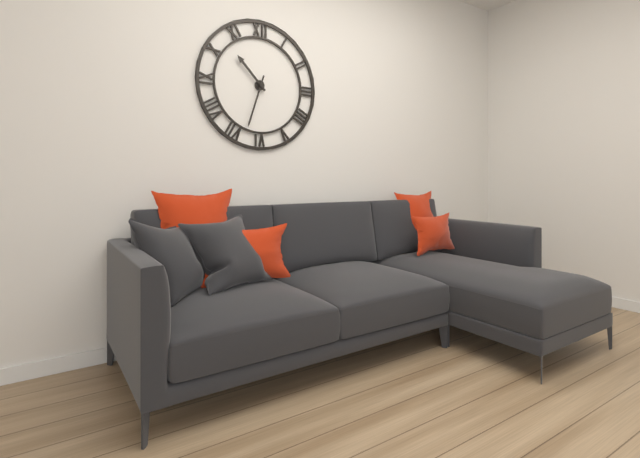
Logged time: 10,33
